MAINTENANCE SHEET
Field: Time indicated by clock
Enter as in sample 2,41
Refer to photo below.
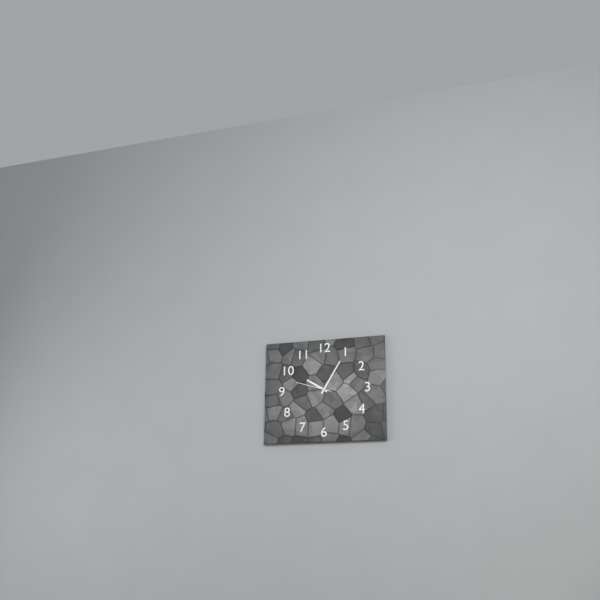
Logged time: 10,05
